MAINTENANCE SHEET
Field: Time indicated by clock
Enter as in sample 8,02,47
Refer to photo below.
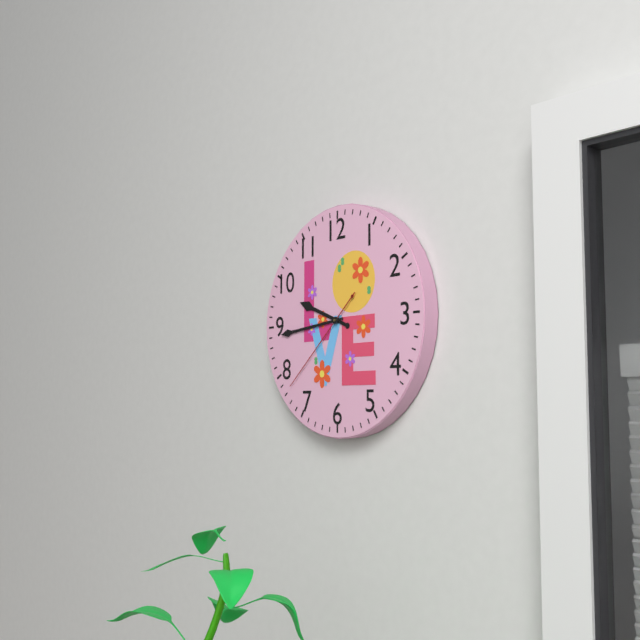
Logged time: 9,44,38
